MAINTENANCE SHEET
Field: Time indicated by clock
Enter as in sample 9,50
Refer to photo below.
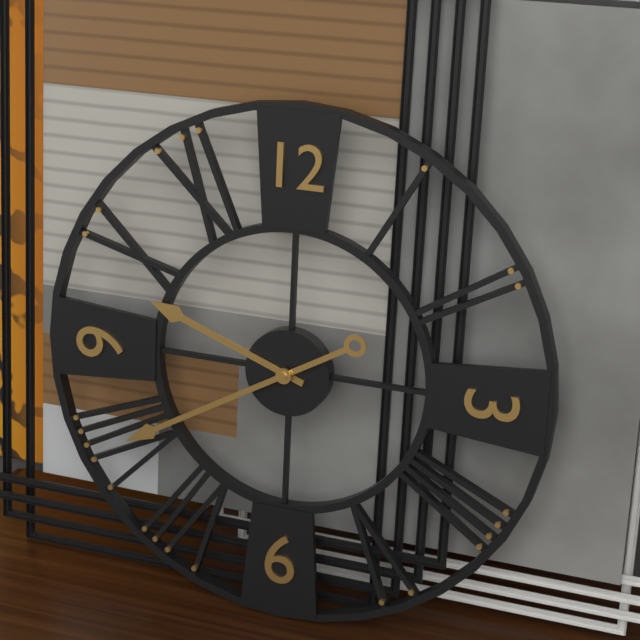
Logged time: 9,40
